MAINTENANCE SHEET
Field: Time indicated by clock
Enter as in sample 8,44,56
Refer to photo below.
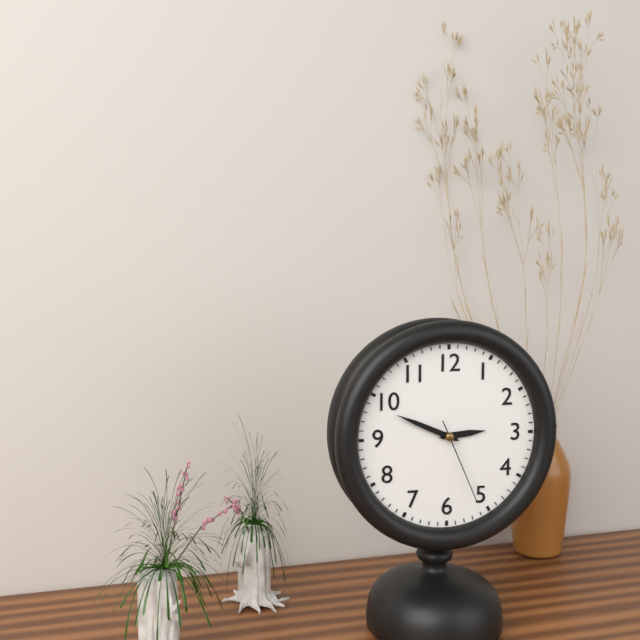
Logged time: 2,49,26
